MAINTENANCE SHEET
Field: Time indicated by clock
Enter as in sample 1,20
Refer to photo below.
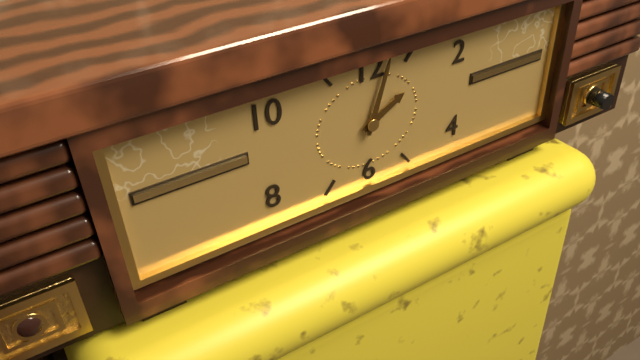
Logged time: 2,03
